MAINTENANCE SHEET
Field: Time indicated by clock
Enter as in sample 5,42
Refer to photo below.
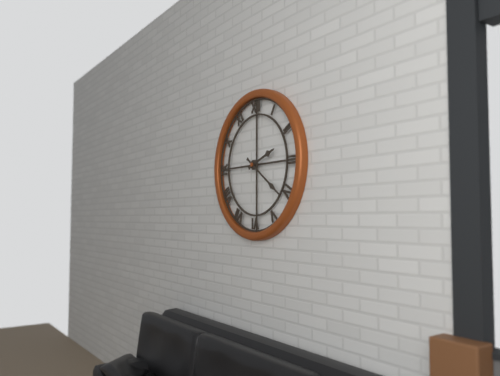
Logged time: 2,21
